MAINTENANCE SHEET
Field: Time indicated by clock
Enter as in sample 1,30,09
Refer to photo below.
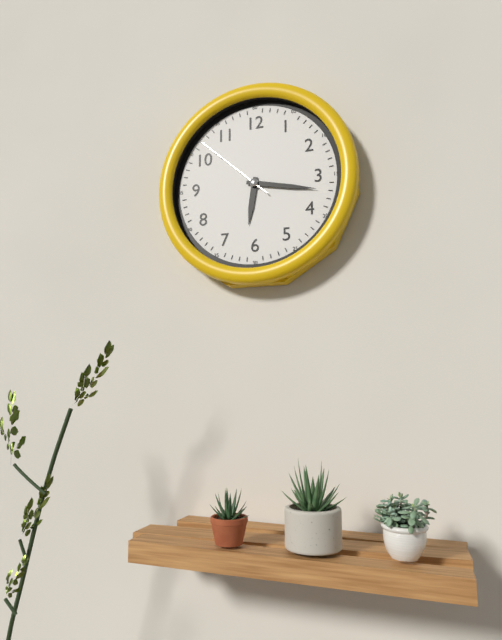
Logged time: 6,17,52
